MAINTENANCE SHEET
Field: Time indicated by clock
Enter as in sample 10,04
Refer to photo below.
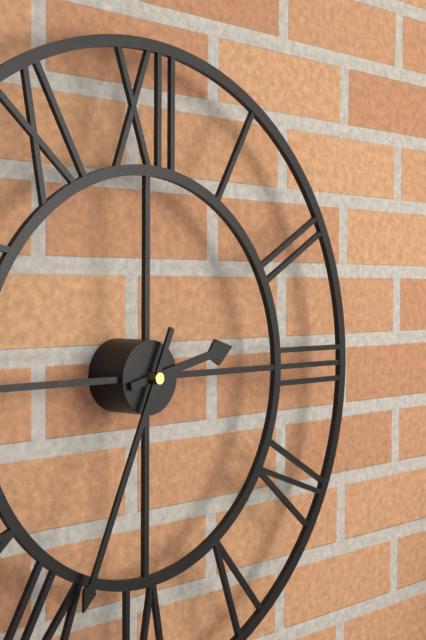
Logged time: 2,34
